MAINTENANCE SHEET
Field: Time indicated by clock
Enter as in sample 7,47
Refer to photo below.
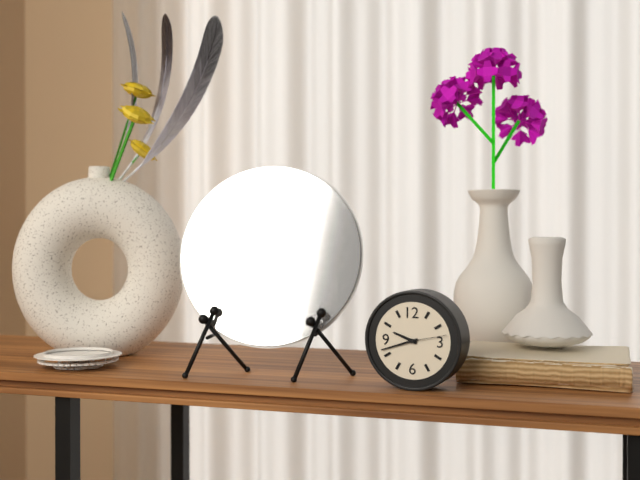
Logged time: 9,42
